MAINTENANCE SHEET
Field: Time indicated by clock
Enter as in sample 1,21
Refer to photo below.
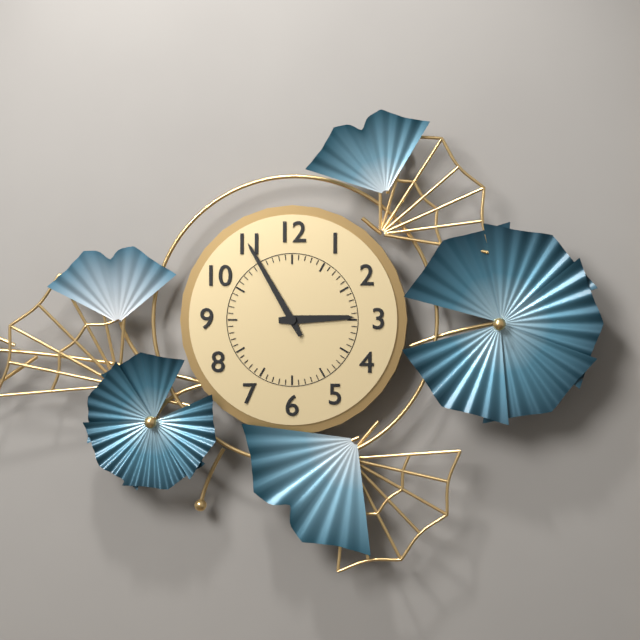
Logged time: 2,55
